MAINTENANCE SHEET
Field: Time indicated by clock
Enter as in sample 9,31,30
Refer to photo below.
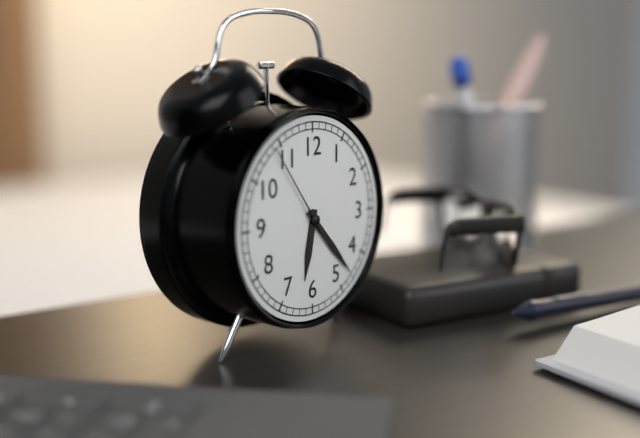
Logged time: 6,23,54
